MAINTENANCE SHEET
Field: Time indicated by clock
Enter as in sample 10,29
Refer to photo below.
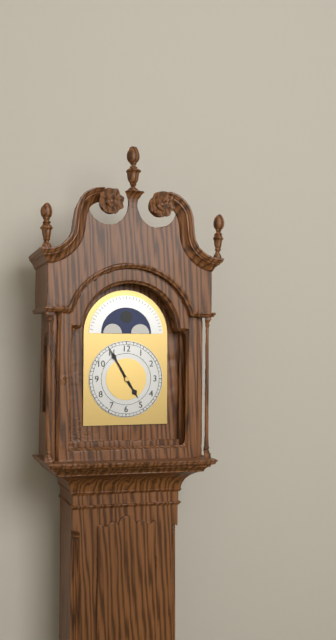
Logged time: 4,55
